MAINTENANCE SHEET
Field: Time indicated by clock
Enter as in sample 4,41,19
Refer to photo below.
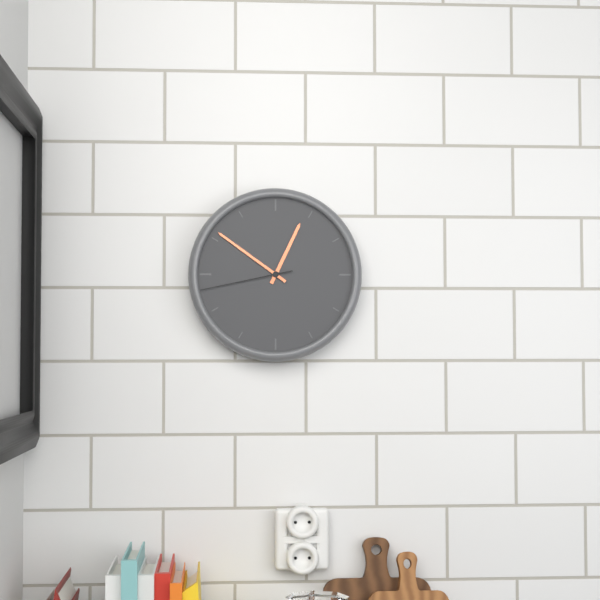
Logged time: 12,51,43
